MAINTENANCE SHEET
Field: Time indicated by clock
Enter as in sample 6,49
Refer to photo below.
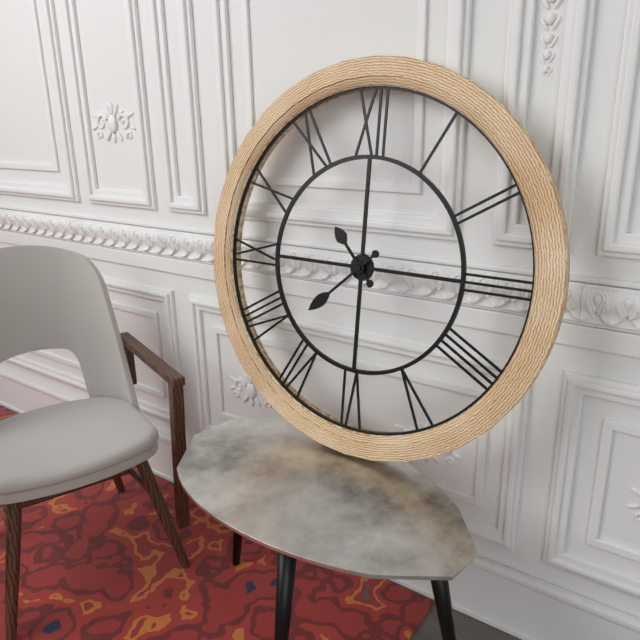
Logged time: 10,38
